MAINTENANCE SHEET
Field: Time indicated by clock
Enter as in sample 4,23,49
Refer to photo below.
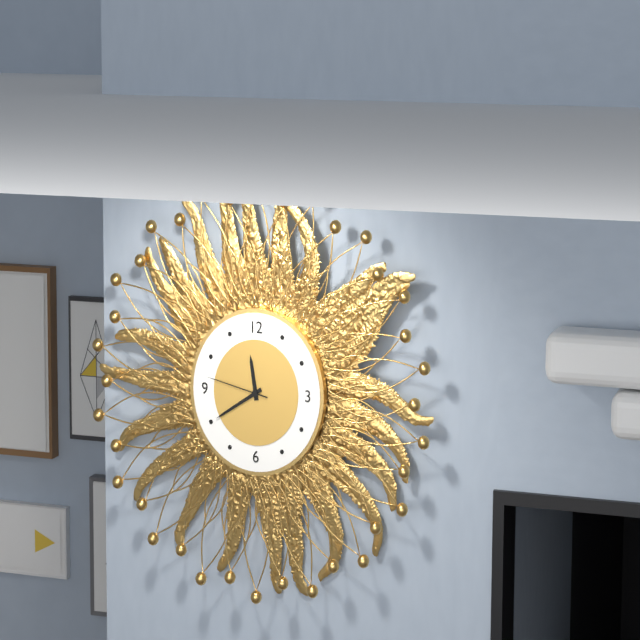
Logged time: 11,40,47
